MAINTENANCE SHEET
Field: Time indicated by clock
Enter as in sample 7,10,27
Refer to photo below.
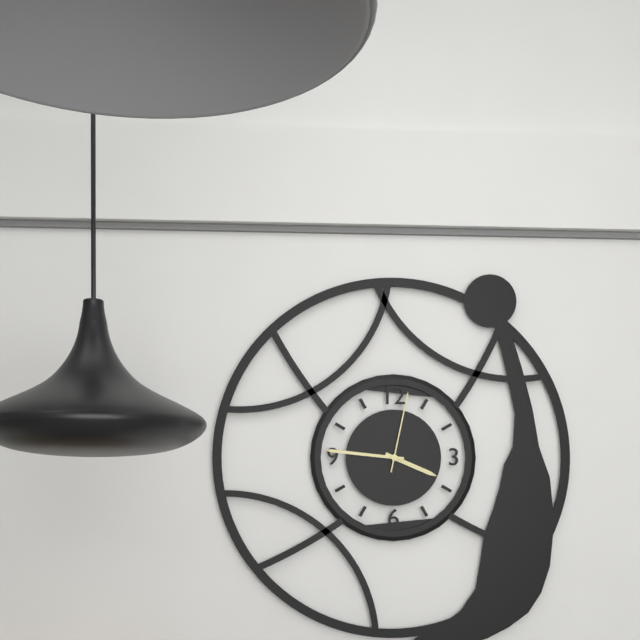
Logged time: 3,46,02
